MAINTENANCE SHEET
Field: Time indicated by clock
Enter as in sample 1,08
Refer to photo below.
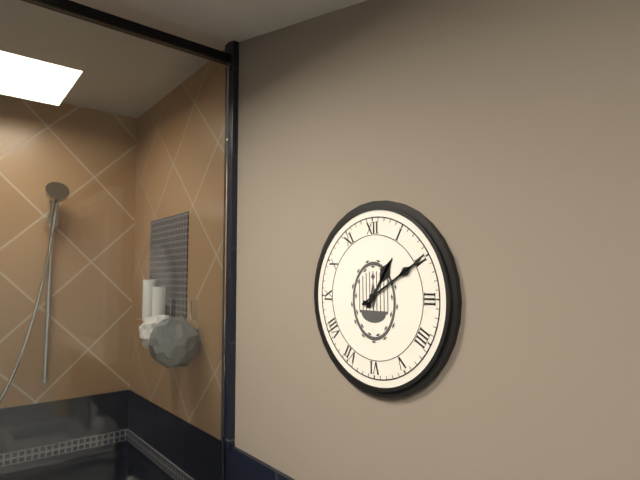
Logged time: 1,10
